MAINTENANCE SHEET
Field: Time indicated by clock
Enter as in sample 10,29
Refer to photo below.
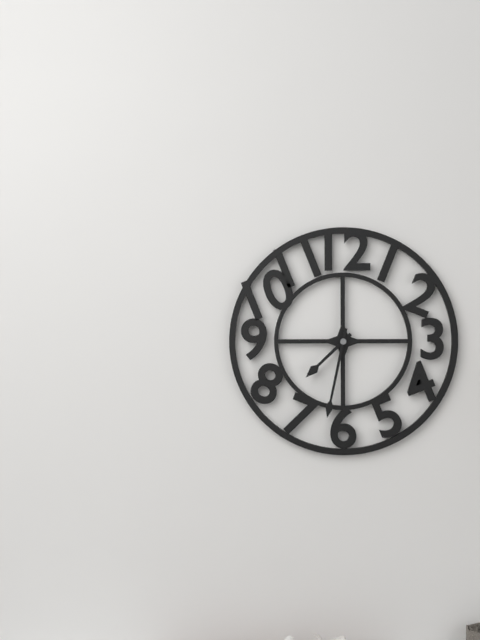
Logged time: 7,32
